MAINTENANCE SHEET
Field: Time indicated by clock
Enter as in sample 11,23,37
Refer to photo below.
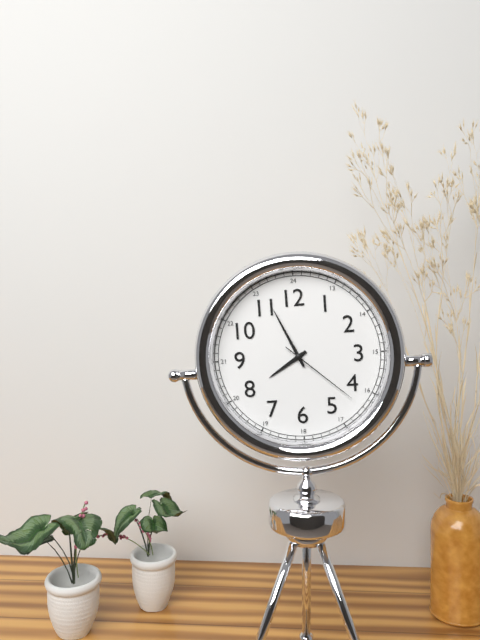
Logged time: 7,56,22
